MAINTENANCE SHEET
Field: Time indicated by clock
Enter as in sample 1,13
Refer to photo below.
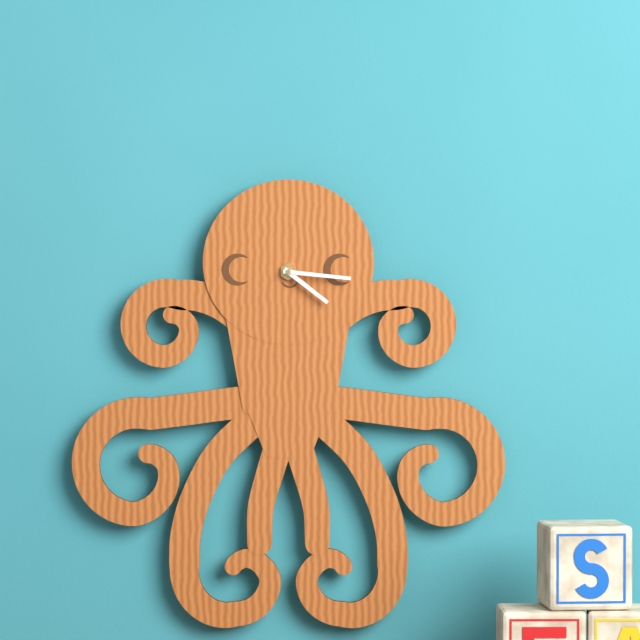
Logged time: 4,16
